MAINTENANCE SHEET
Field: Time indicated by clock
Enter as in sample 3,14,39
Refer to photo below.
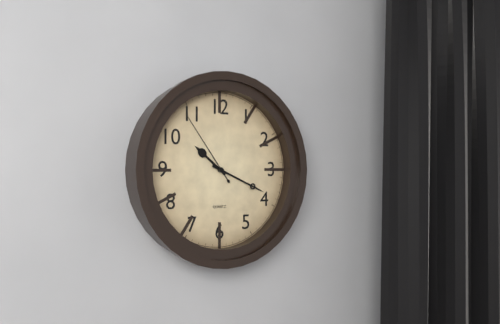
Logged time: 10,19,54
